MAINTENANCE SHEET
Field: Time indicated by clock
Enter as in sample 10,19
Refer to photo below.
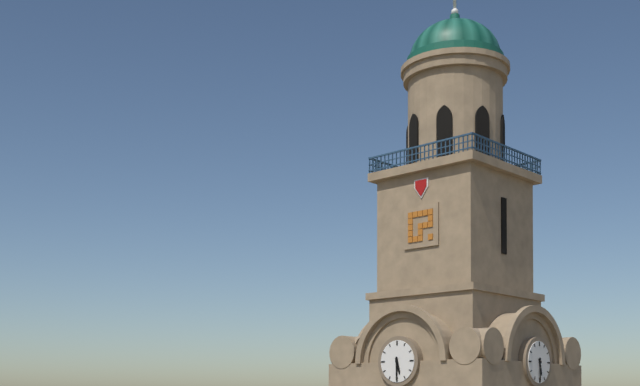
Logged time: 5,30
